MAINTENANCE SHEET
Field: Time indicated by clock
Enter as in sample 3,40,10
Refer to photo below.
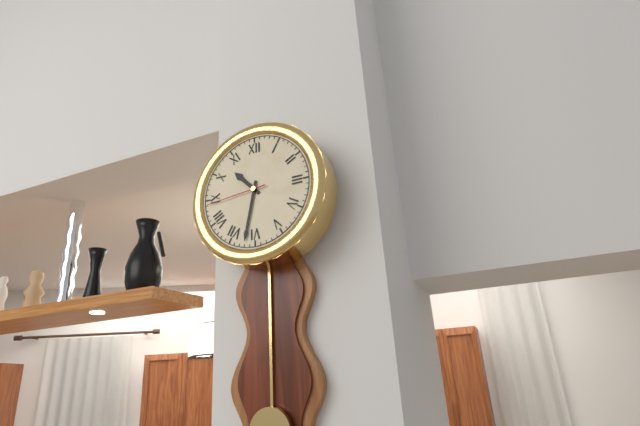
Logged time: 10,32,44
